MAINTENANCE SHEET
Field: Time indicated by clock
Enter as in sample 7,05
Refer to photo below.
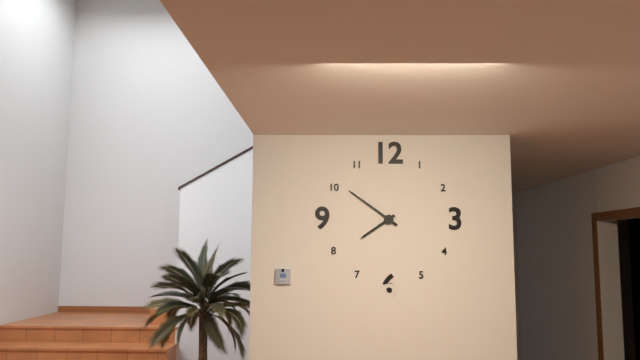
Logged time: 7,51
